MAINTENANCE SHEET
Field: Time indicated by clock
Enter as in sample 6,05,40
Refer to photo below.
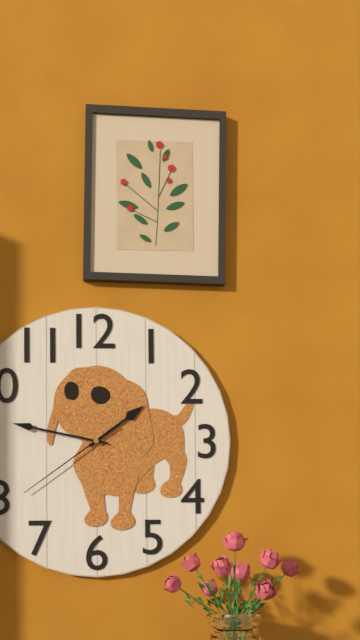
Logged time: 1,47,39
